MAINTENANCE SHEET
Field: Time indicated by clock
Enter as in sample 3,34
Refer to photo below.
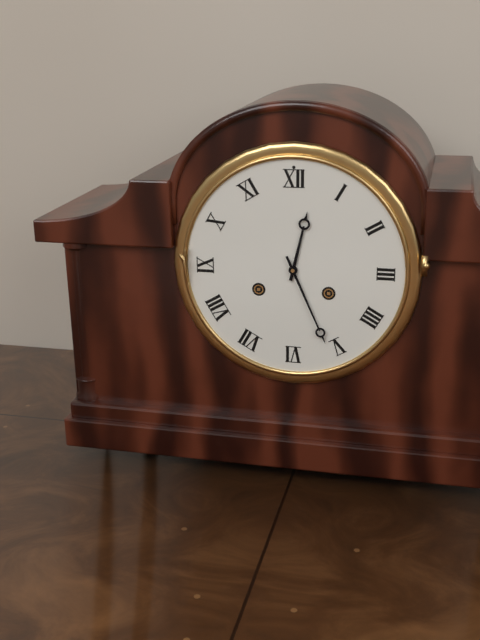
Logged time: 12,26
